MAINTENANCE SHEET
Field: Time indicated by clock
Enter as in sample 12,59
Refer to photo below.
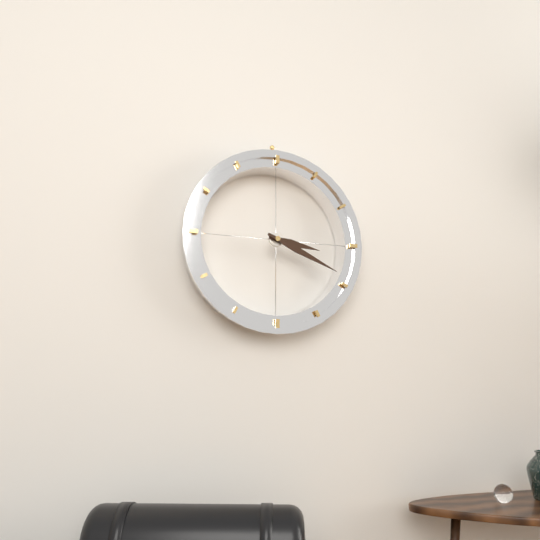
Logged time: 3,19
